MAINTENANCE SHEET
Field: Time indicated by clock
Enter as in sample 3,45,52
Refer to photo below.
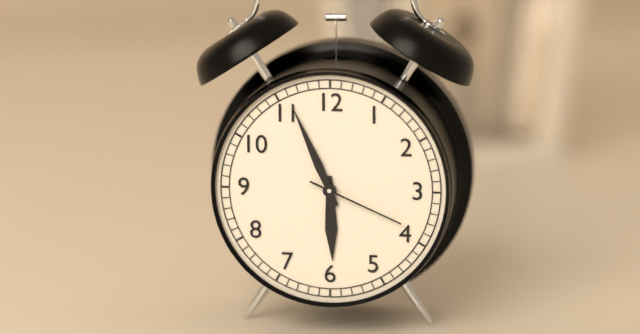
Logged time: 5,56,19
